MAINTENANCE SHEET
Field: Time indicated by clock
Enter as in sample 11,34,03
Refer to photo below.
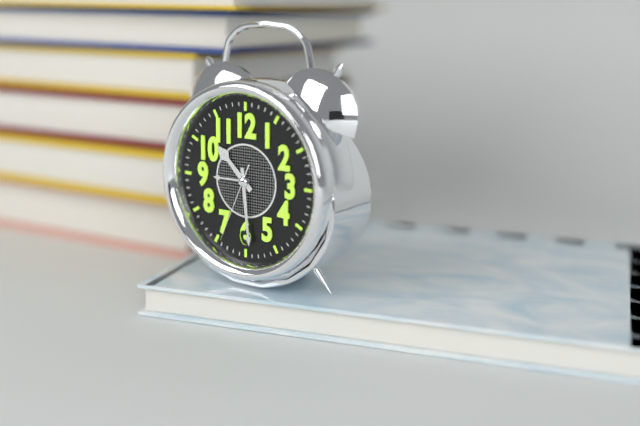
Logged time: 10,29,34
